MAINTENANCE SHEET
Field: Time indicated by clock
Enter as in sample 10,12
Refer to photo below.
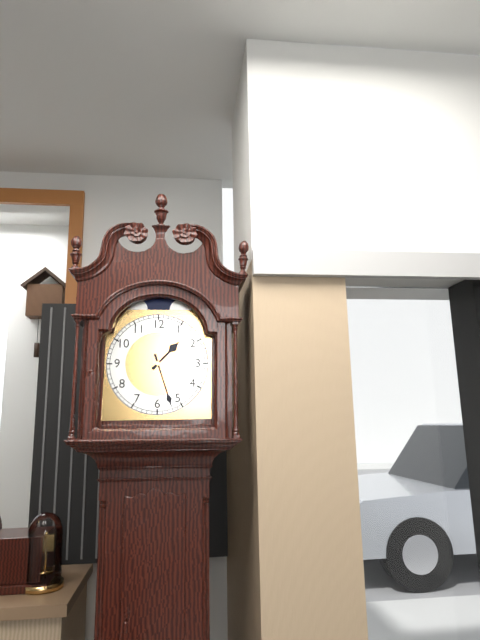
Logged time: 1,27
